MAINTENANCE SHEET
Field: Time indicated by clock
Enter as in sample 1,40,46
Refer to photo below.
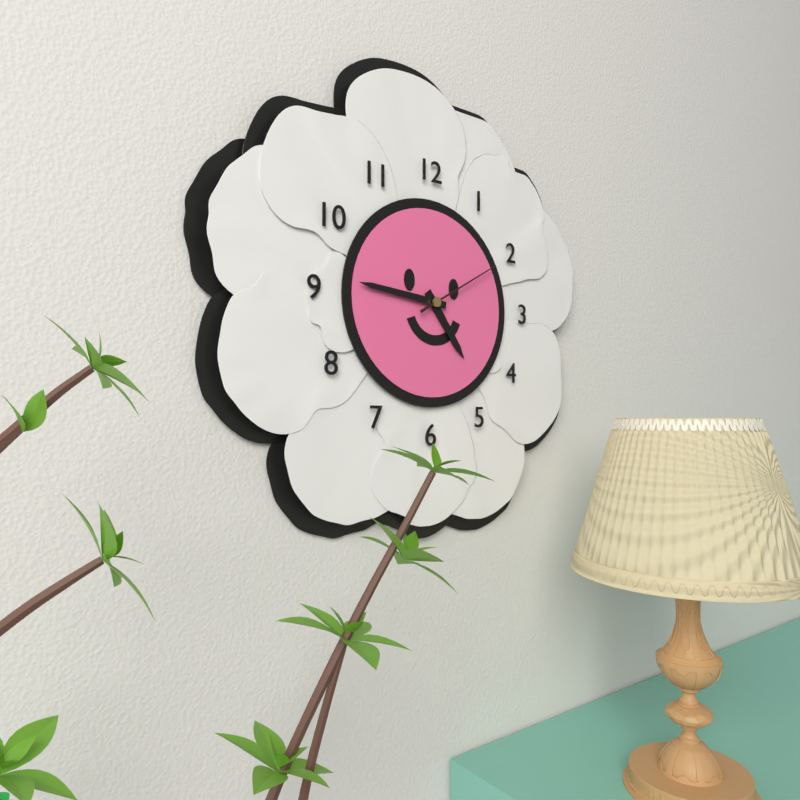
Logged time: 4,46,10
